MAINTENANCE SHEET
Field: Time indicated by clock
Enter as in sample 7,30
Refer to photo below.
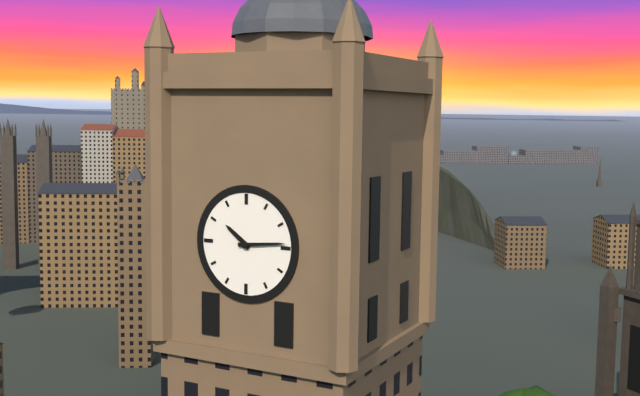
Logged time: 10,14
